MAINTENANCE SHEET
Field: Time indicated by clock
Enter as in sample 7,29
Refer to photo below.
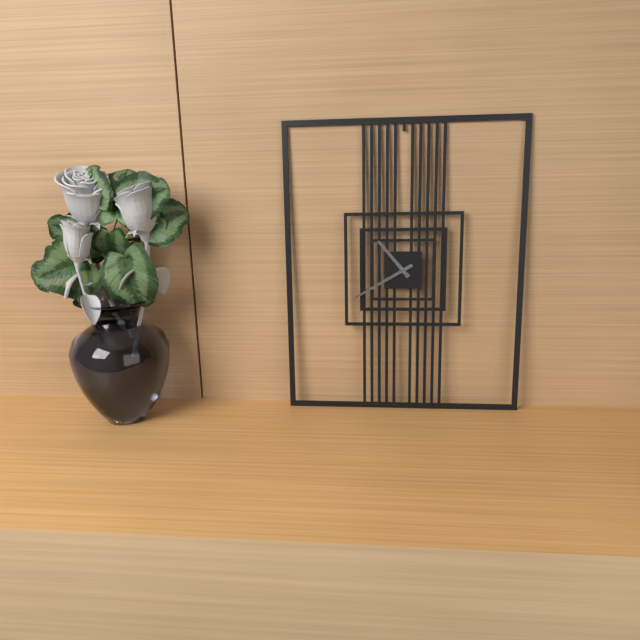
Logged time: 10,40
